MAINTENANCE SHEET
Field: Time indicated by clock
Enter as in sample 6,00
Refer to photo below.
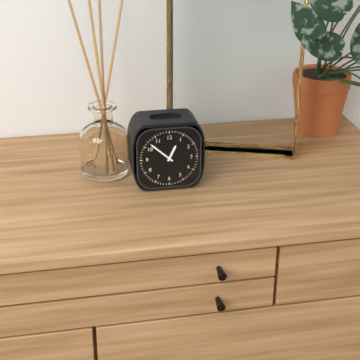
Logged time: 12,52
